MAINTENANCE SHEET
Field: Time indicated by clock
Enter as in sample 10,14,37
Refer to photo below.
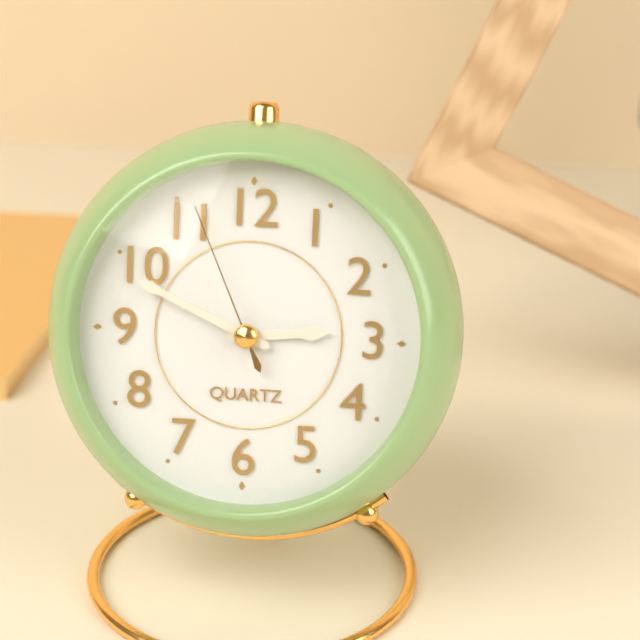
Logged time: 2,49,56
